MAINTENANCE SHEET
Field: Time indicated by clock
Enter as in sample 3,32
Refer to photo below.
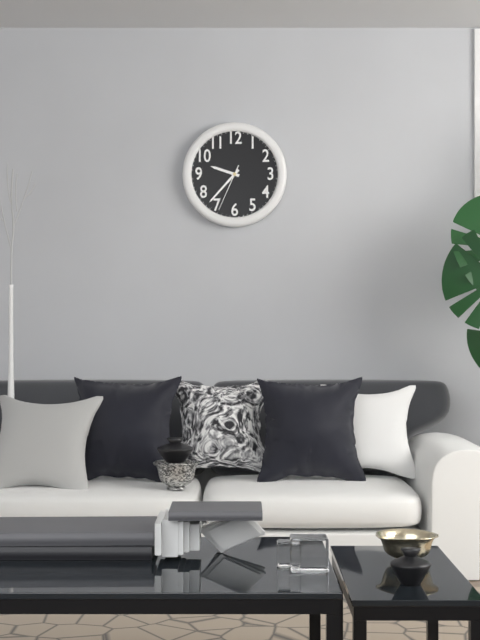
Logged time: 9,37
